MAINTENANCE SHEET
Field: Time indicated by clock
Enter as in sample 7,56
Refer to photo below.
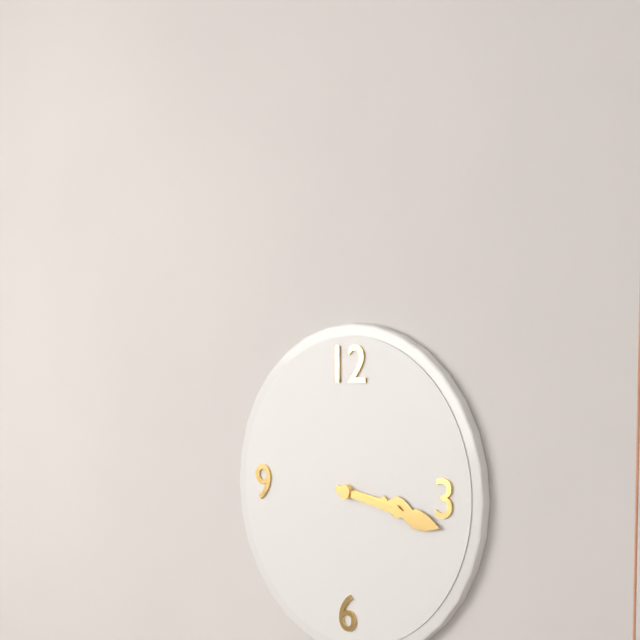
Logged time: 3,17
